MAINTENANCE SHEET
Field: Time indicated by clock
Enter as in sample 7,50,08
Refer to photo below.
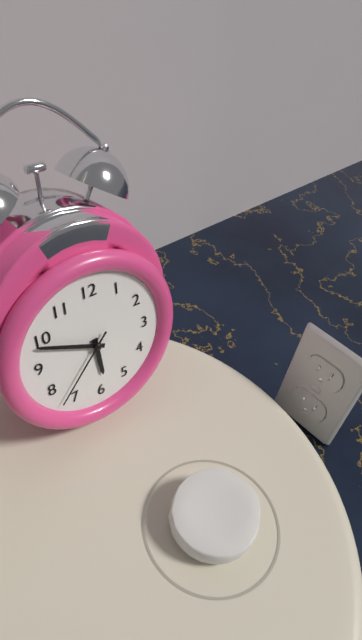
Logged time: 5,49,37
